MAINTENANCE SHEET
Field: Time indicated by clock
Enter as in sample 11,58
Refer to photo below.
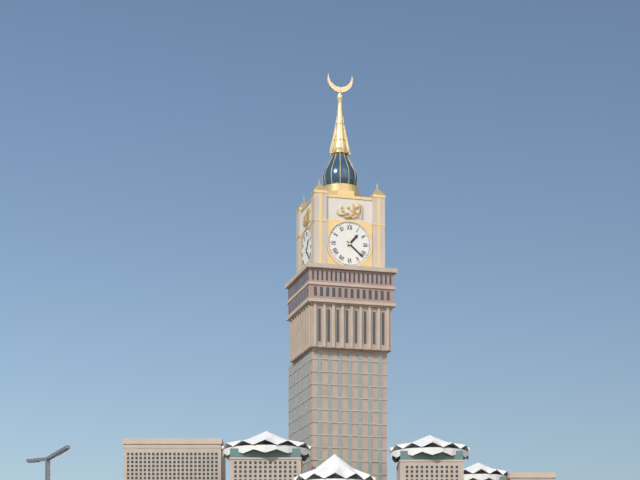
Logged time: 1,22
